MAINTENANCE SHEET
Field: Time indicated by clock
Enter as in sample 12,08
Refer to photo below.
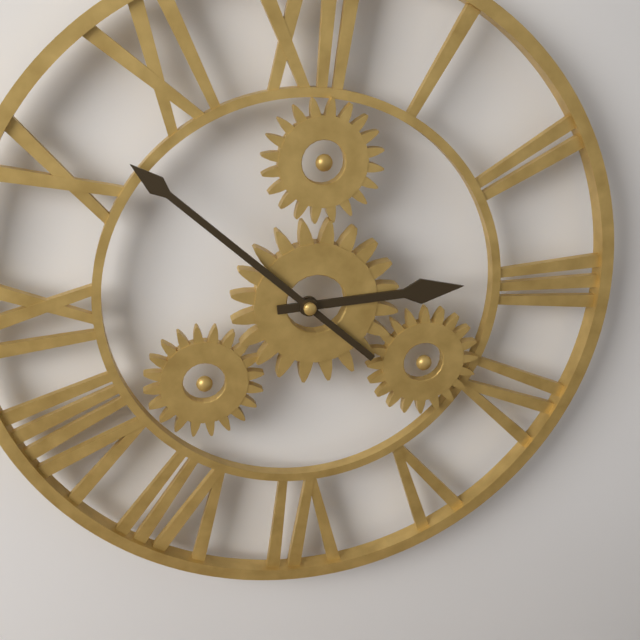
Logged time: 2,52
